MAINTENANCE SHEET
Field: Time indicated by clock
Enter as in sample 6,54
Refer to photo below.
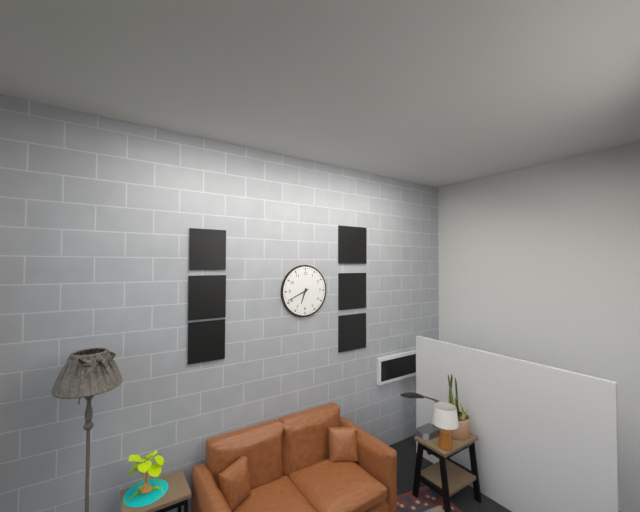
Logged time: 6,41
